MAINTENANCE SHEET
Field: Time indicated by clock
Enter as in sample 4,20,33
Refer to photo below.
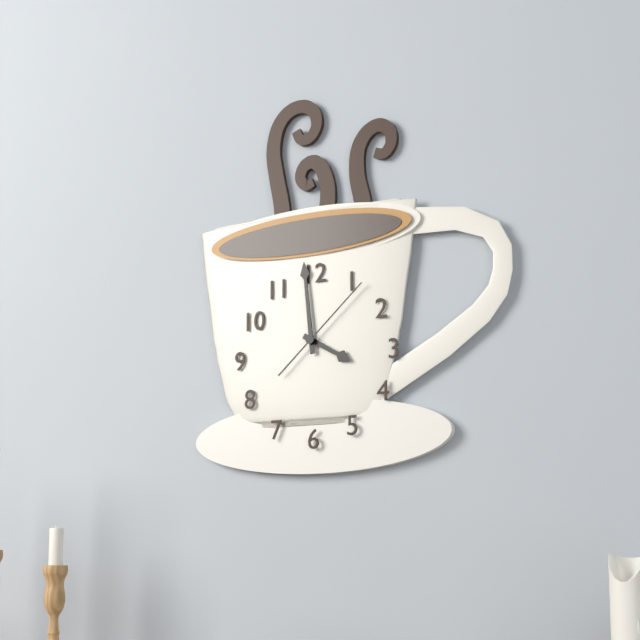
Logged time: 3,59,08
